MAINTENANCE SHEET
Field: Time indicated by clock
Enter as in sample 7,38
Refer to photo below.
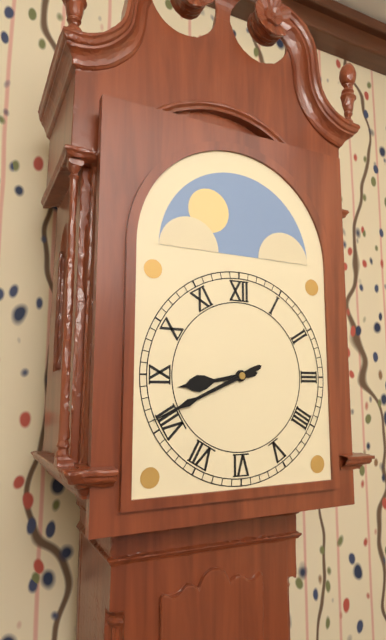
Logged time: 8,41
